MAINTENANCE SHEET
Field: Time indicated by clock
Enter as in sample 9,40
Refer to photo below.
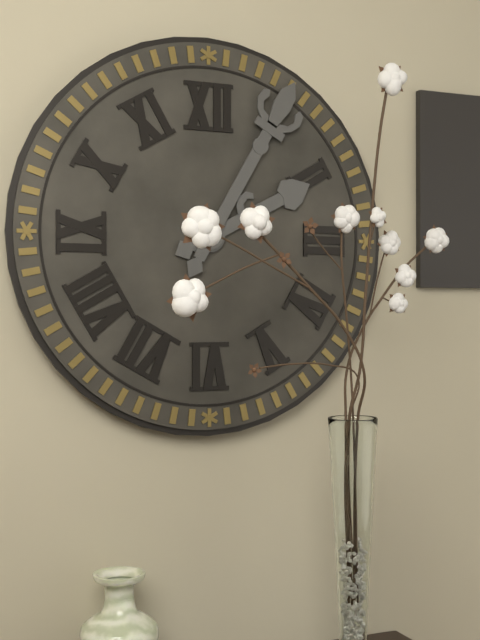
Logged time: 2,05
